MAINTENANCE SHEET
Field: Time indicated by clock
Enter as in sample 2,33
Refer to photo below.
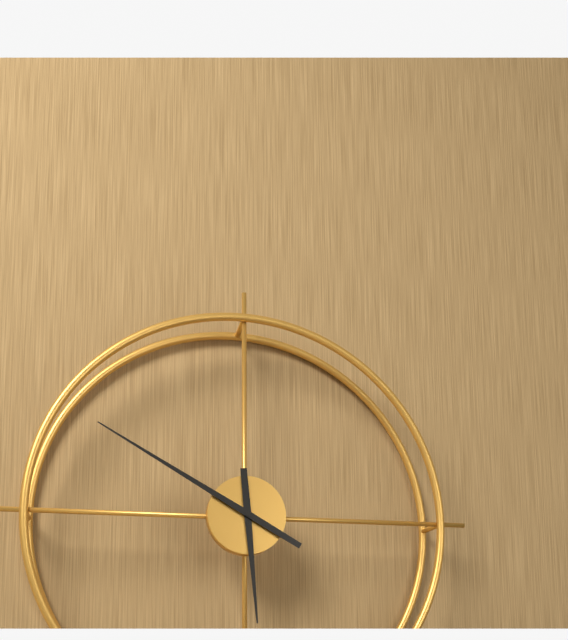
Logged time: 5,50
